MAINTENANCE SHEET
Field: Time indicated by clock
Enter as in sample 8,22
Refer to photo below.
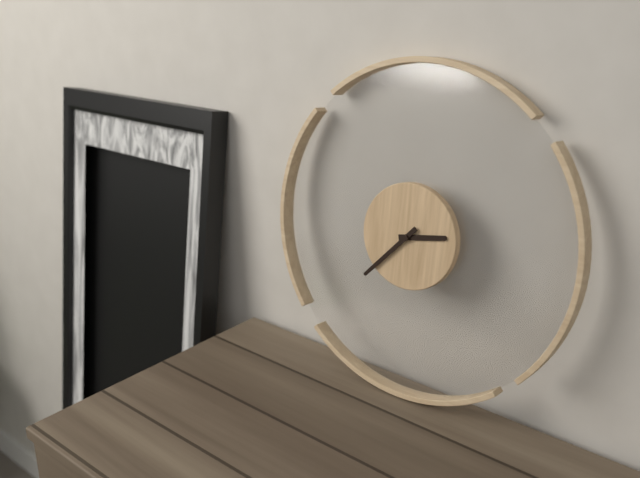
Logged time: 2,37
